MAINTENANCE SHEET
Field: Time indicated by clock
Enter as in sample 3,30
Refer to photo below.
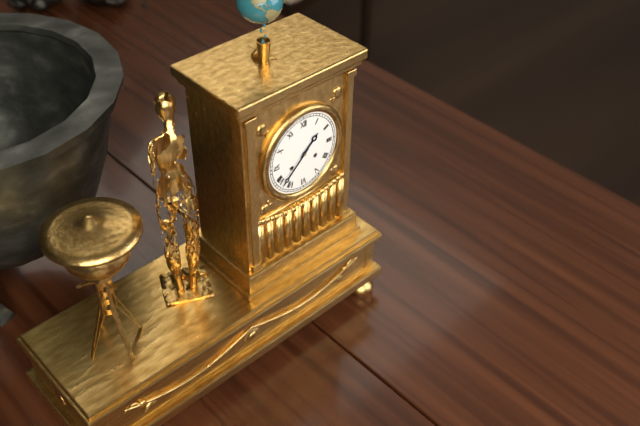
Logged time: 1,38
